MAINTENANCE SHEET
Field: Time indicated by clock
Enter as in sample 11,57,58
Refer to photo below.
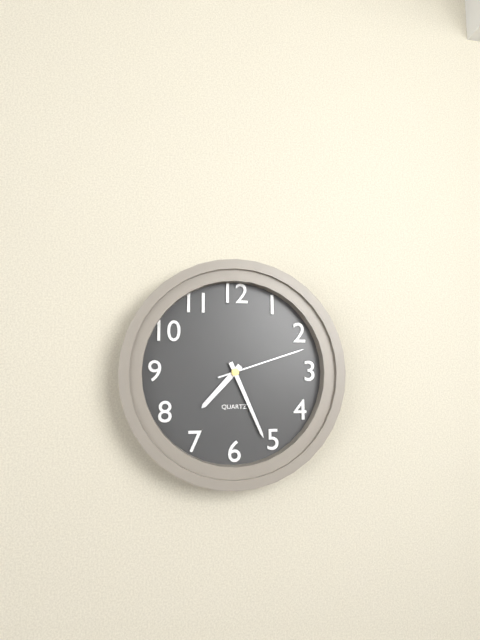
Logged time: 7,26,12
